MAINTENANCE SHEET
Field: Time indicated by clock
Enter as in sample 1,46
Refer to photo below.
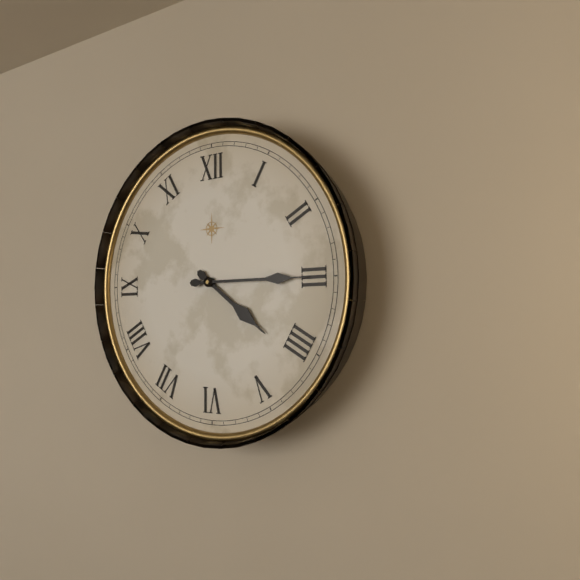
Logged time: 4,15
